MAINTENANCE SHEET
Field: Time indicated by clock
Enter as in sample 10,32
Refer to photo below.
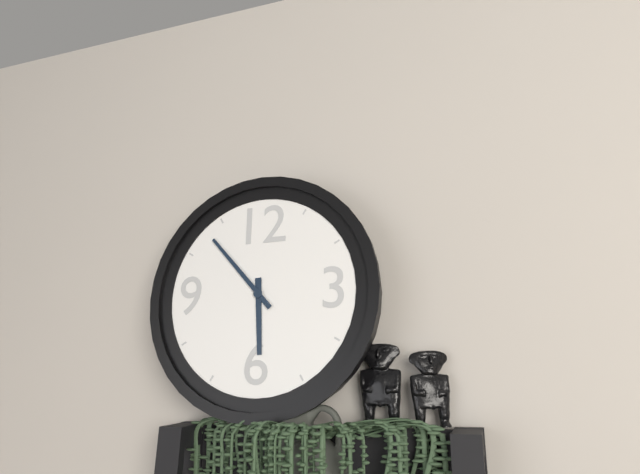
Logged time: 5,53
